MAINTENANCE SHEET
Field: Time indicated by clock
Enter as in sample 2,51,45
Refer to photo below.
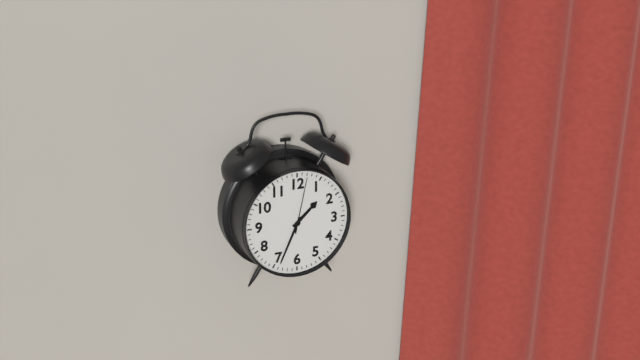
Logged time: 1,34,02
